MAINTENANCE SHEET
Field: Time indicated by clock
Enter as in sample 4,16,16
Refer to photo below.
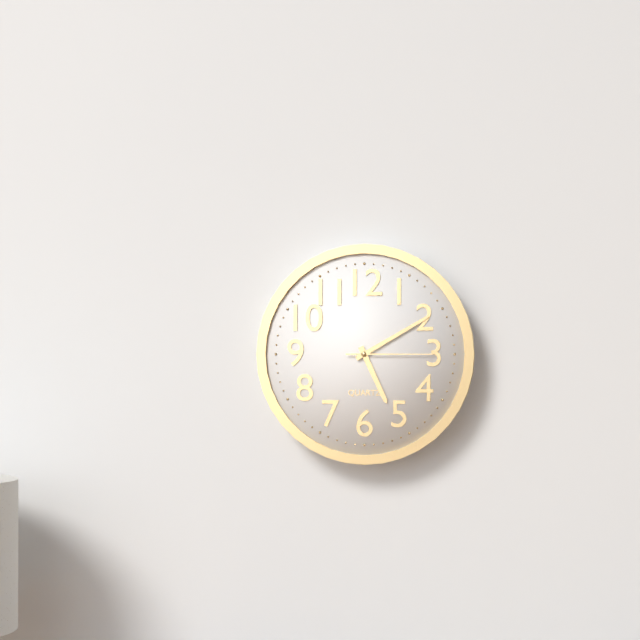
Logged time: 5,10,15
